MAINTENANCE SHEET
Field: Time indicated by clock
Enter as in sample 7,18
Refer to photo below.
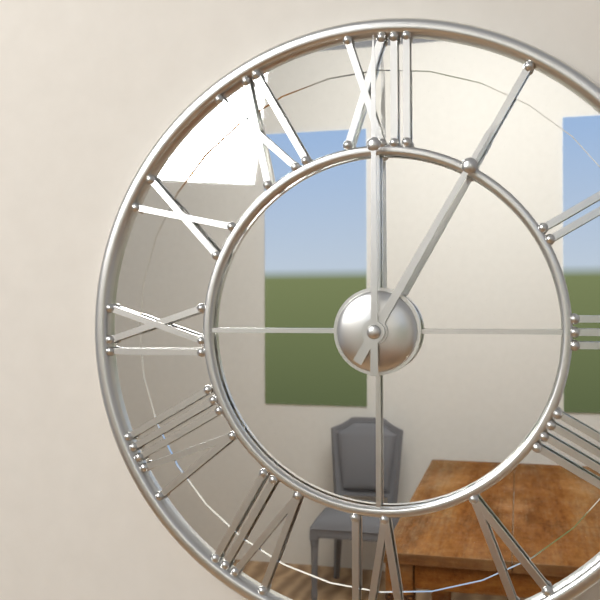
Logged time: 1,00
